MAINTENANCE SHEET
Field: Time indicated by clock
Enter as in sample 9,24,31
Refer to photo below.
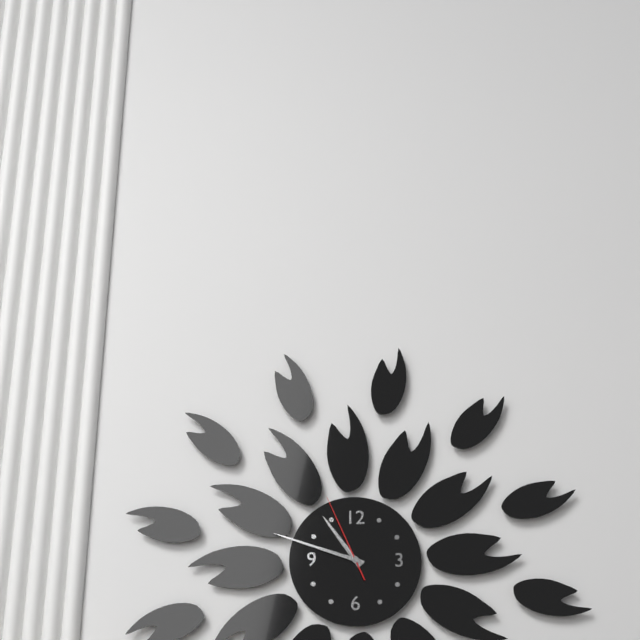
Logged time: 10,48,56
